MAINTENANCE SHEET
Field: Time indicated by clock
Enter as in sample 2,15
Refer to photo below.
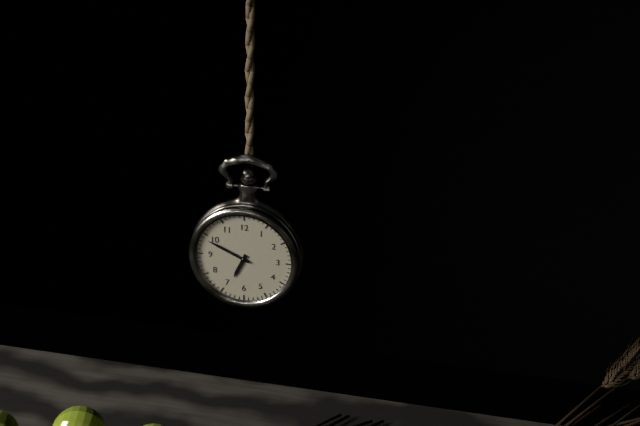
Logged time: 6,49
